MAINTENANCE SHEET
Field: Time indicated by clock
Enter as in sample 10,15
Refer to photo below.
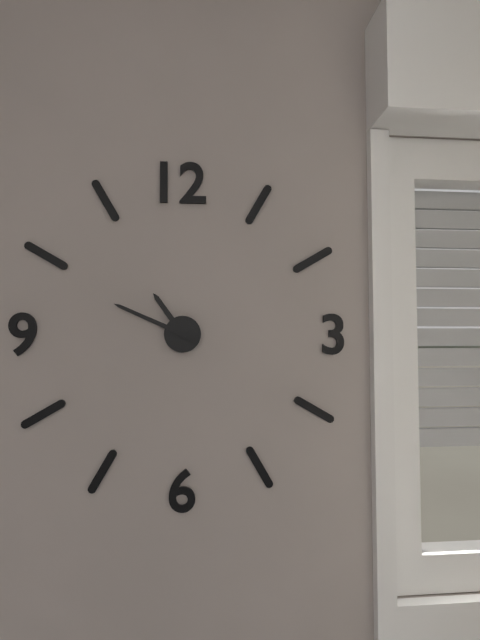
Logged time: 10,49
